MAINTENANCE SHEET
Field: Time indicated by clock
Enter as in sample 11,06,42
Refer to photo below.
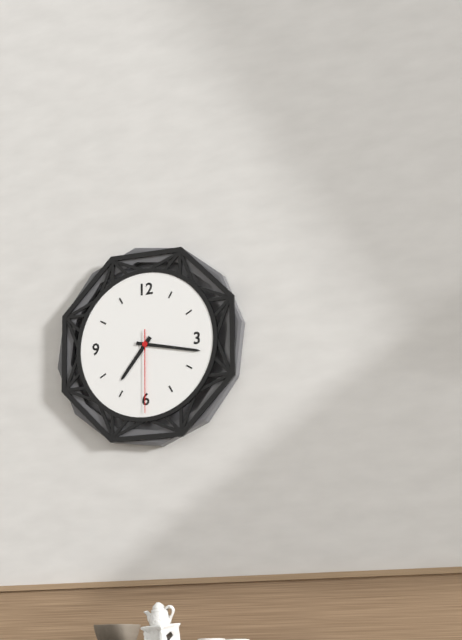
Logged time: 7,17,30
